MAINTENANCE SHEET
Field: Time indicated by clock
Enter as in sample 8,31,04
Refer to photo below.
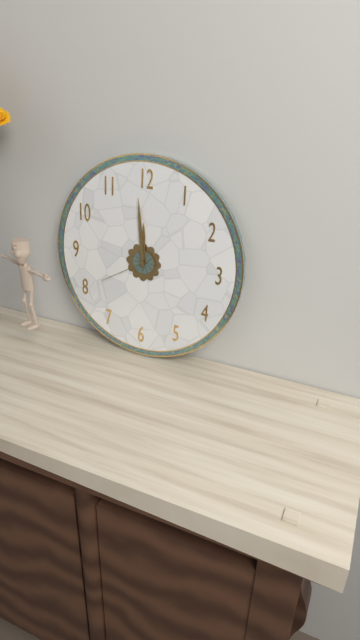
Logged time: 11,59,40
